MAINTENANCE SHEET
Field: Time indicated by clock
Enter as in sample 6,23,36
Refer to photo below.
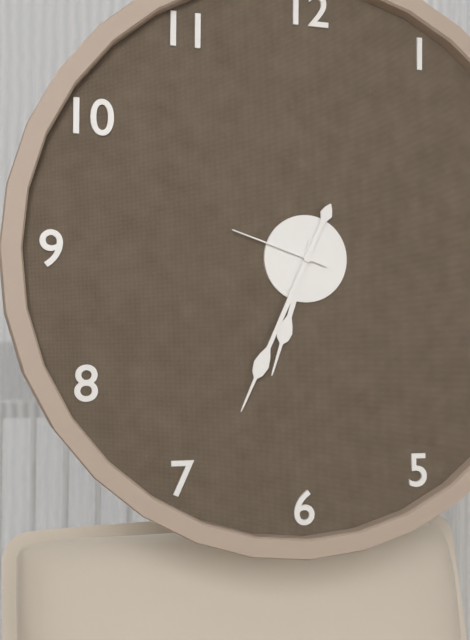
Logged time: 6,34,48
